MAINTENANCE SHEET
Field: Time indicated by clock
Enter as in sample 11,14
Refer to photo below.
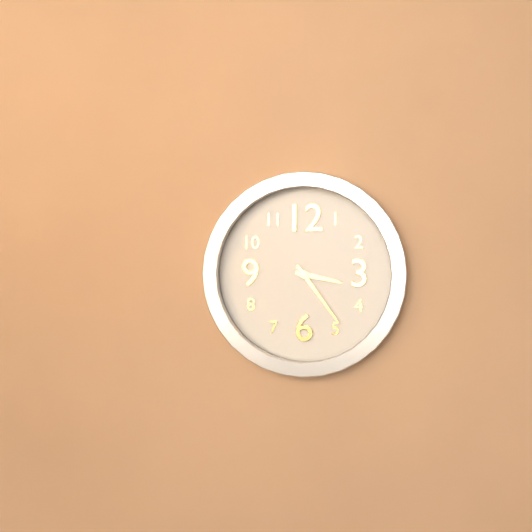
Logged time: 3,24
